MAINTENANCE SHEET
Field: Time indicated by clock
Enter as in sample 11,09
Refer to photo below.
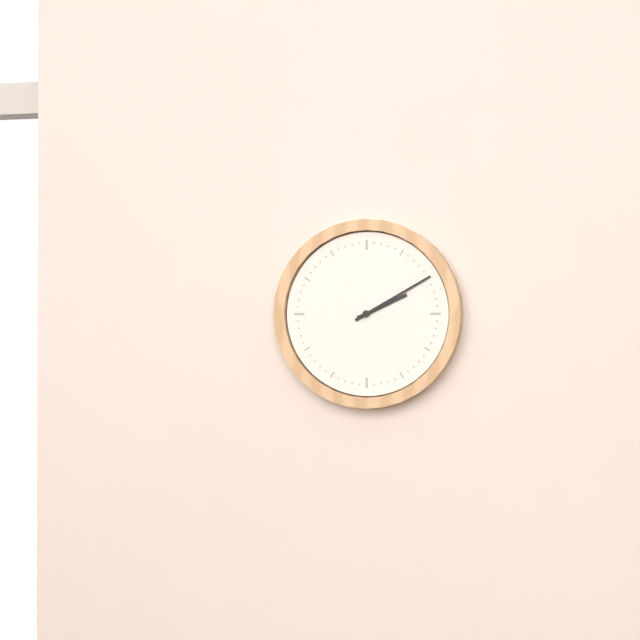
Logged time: 2,10
